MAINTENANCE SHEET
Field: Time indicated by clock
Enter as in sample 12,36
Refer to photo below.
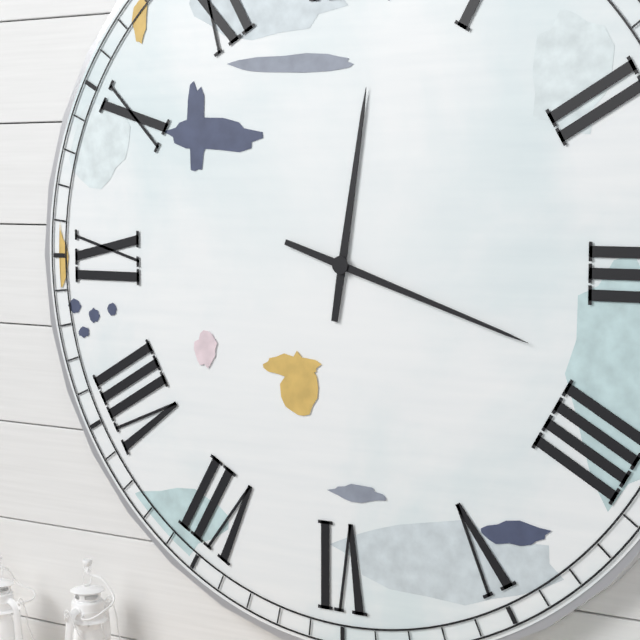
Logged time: 12,18
